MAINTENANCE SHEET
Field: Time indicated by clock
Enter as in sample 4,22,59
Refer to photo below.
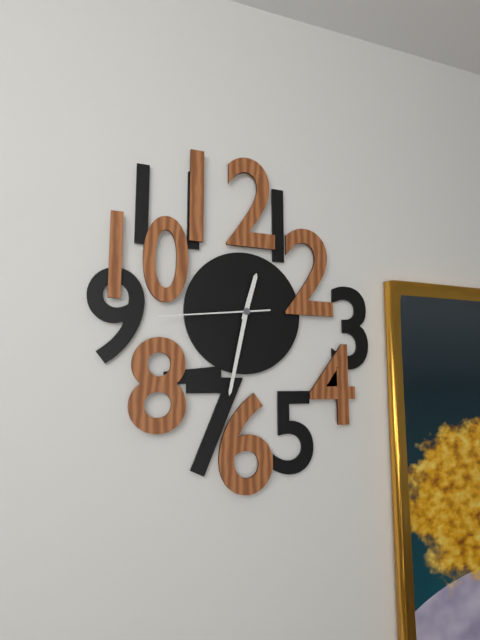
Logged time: 12,32,44
